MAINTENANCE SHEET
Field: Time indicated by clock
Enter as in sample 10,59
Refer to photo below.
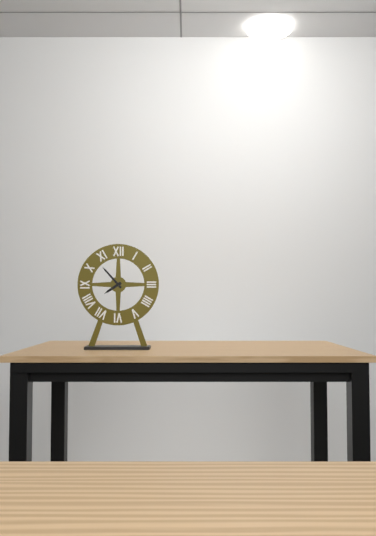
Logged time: 7,53
